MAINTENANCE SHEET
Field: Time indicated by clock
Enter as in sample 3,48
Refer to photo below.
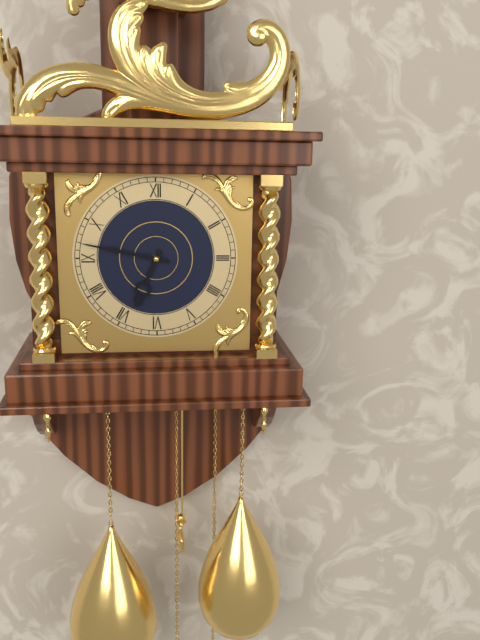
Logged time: 6,47
